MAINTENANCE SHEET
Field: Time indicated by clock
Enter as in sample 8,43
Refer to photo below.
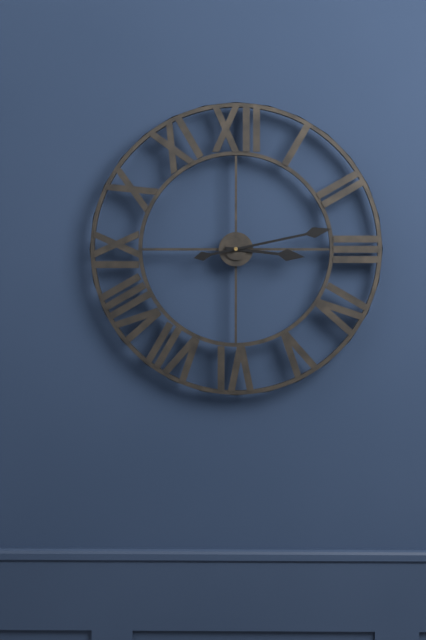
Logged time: 3,13
